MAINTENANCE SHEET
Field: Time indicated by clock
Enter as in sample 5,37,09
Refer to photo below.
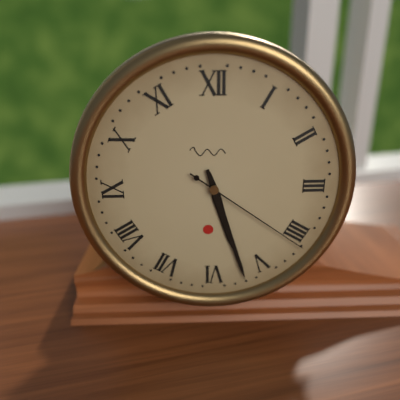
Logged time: 5,27,21
